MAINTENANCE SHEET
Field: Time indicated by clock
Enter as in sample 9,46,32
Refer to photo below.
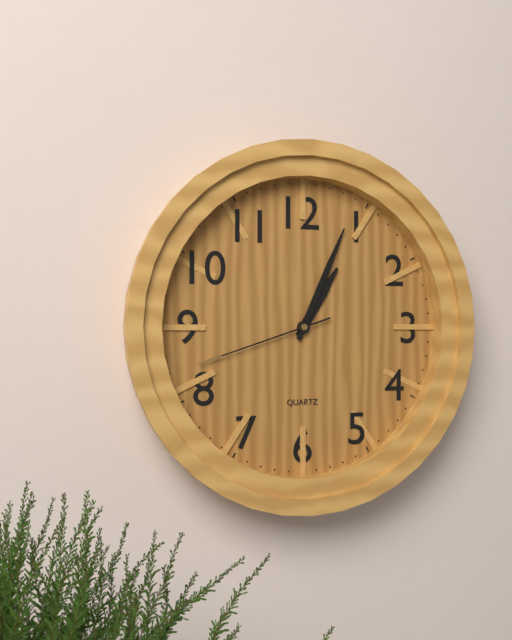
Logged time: 1,04,42
